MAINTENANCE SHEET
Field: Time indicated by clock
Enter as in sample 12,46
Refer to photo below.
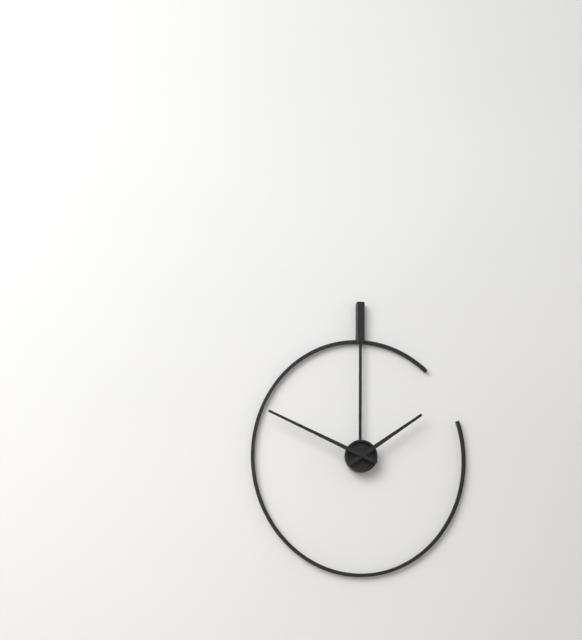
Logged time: 1,49
